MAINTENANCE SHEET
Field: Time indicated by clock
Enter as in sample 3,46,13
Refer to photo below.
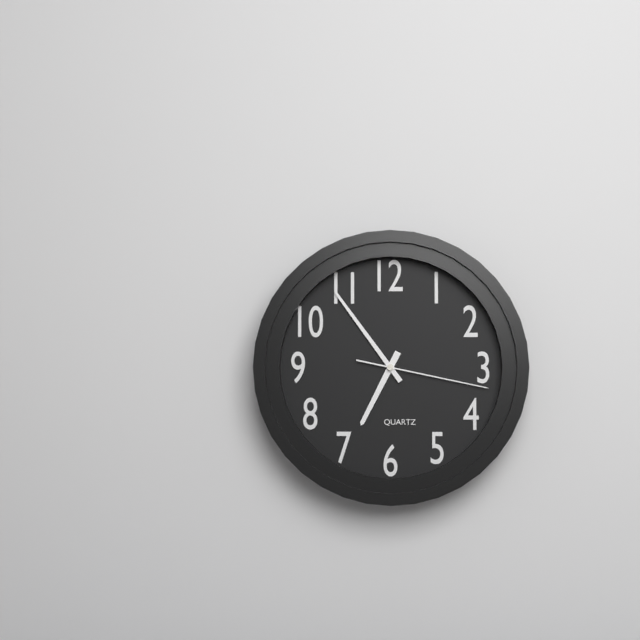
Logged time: 6,54,17
